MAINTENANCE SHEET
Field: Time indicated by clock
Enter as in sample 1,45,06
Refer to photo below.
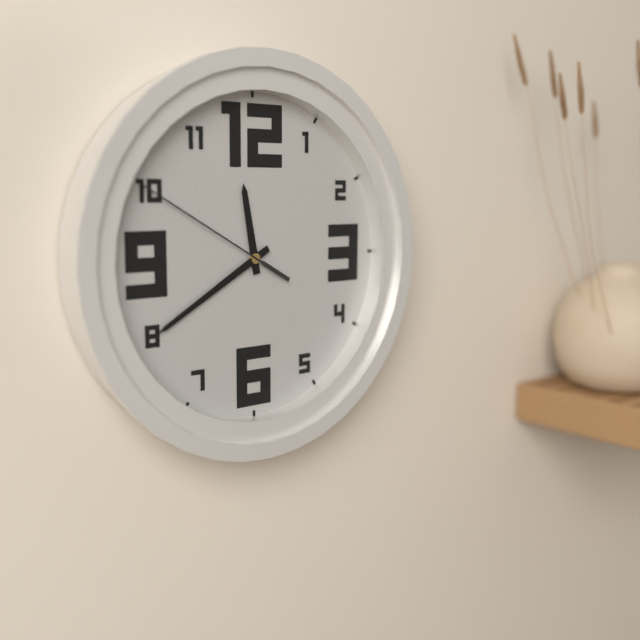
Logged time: 11,40,50
